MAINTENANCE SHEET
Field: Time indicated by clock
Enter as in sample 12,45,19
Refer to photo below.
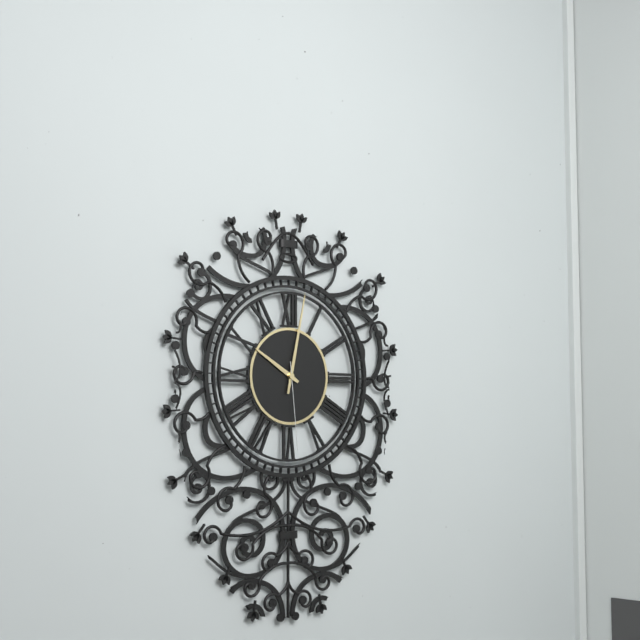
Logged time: 10,02,29
